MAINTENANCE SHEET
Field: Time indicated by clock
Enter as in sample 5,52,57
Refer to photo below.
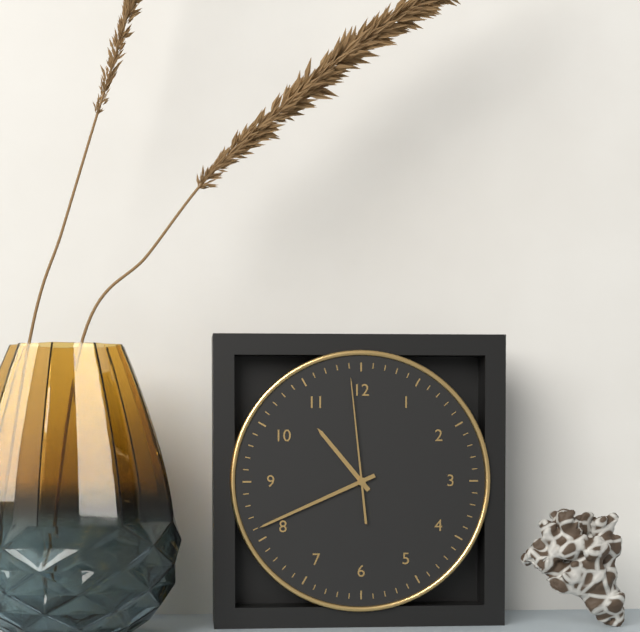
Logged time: 10,41,59
